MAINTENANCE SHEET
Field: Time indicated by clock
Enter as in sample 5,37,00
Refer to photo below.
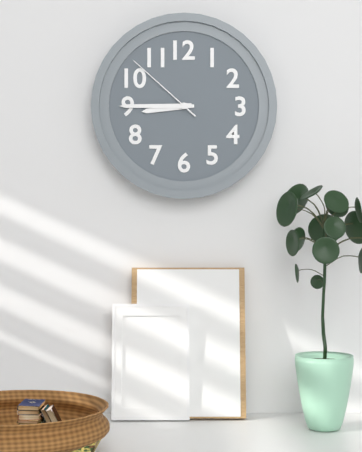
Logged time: 8,45,52
